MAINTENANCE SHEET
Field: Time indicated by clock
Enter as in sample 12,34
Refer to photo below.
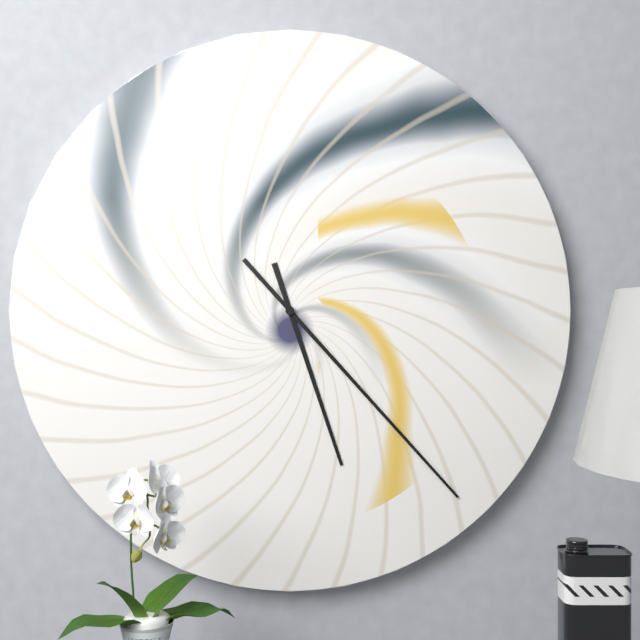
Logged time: 5,23
